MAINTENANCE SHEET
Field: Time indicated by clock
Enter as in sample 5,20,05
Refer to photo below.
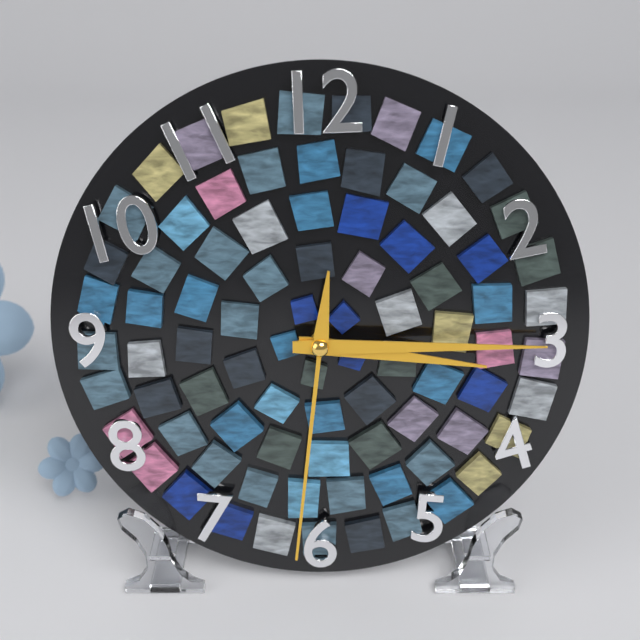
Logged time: 3,15,31
